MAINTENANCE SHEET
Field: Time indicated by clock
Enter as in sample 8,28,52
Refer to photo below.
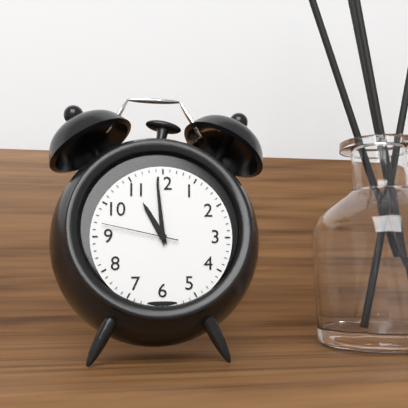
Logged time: 10,59,47
